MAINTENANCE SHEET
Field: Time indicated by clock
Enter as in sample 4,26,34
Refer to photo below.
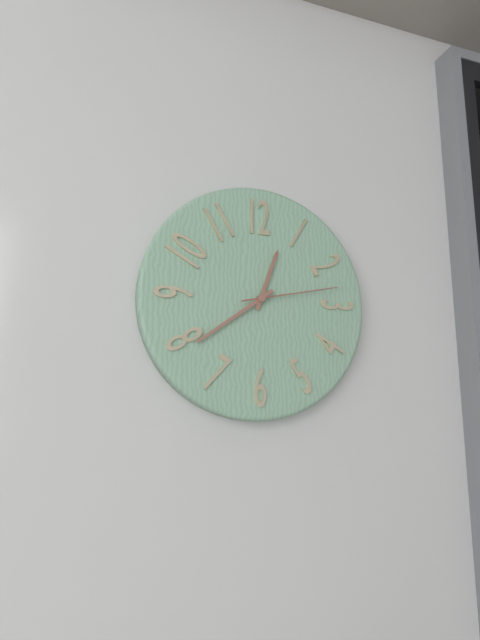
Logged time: 12,39,13
